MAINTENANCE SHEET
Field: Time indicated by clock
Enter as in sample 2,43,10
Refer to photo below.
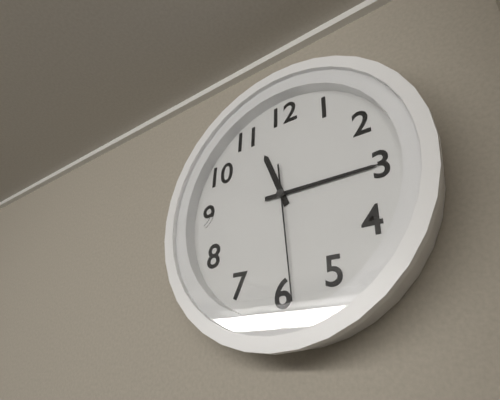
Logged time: 11,15,29
